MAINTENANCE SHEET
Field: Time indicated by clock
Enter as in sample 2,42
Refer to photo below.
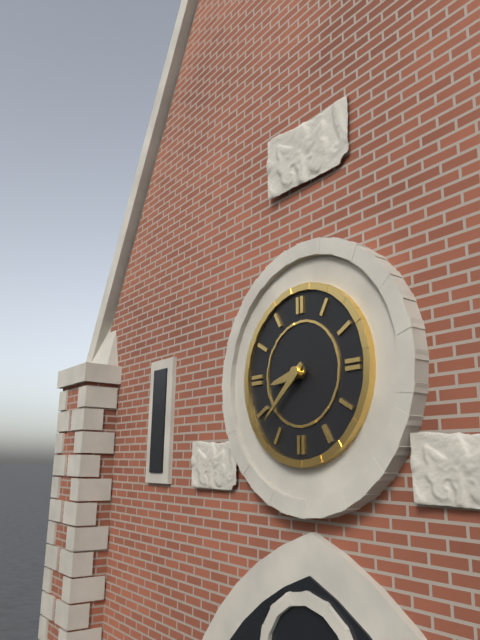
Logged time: 8,38
